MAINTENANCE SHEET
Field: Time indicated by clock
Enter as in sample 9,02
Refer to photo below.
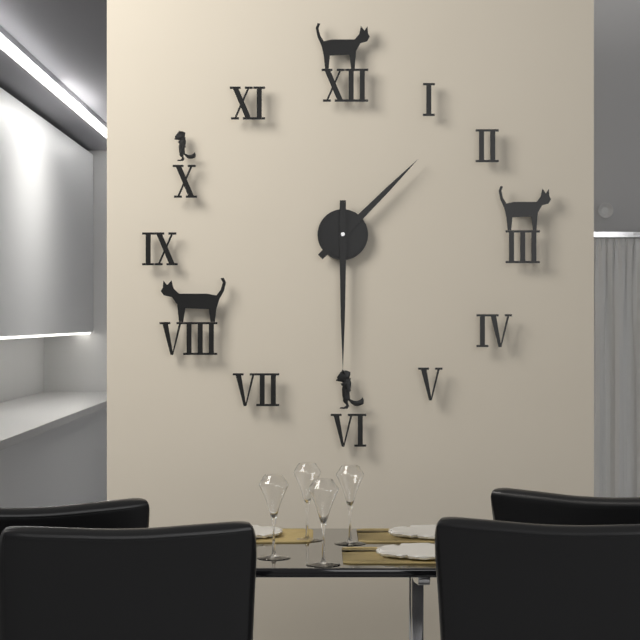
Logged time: 1,30
